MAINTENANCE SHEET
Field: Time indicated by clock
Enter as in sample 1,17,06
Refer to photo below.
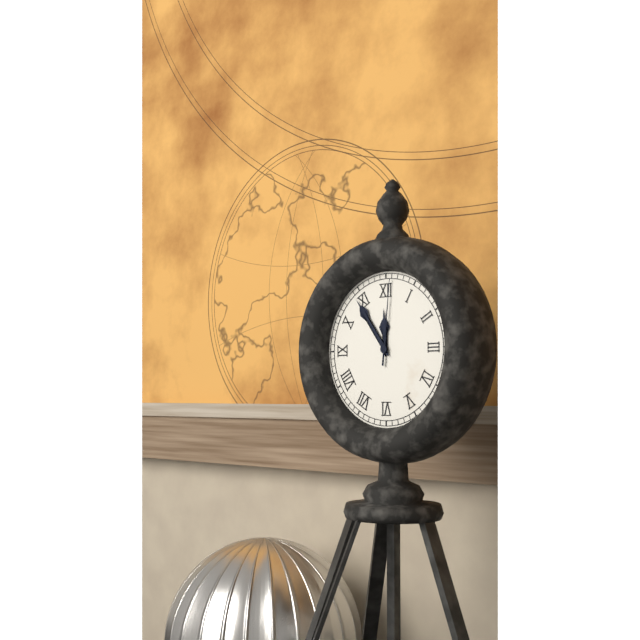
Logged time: 11,54,01
